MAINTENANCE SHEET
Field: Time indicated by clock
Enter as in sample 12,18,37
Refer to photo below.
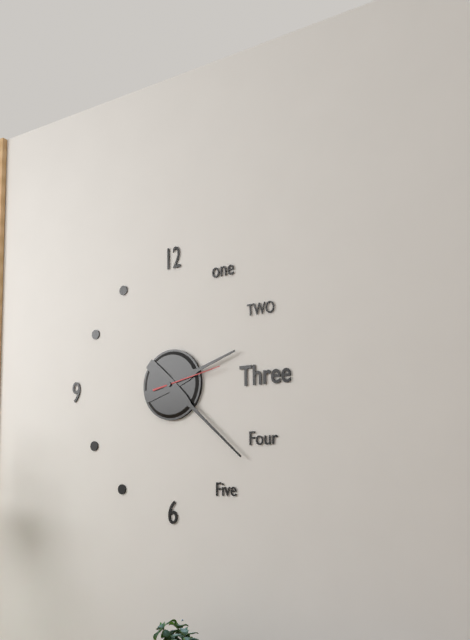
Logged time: 2,22,13
